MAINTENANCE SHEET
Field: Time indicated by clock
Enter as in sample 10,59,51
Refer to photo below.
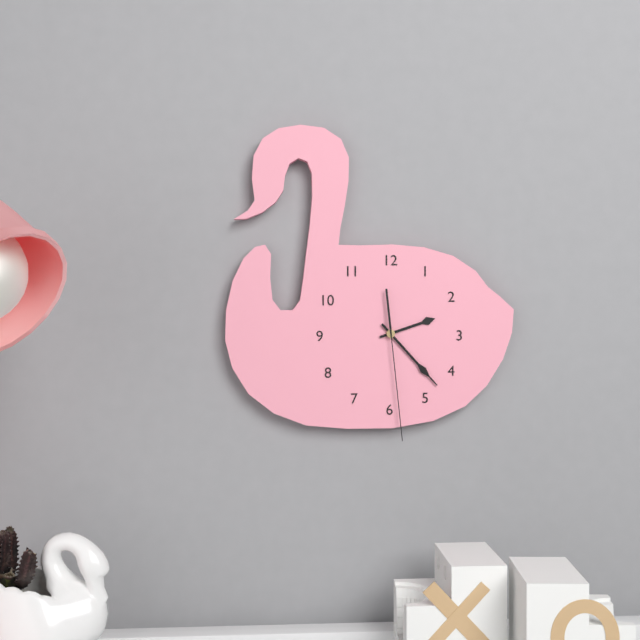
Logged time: 2,23,29
